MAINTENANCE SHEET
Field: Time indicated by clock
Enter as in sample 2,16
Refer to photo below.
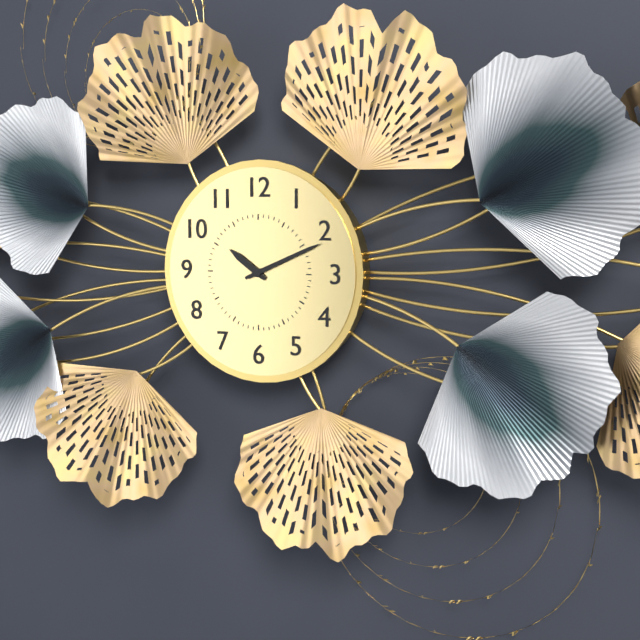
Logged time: 10,11
